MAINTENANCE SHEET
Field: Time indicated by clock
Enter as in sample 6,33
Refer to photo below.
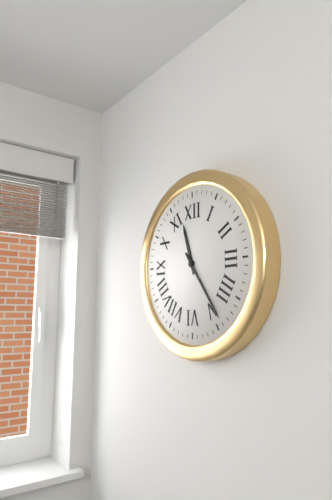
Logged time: 11,24
